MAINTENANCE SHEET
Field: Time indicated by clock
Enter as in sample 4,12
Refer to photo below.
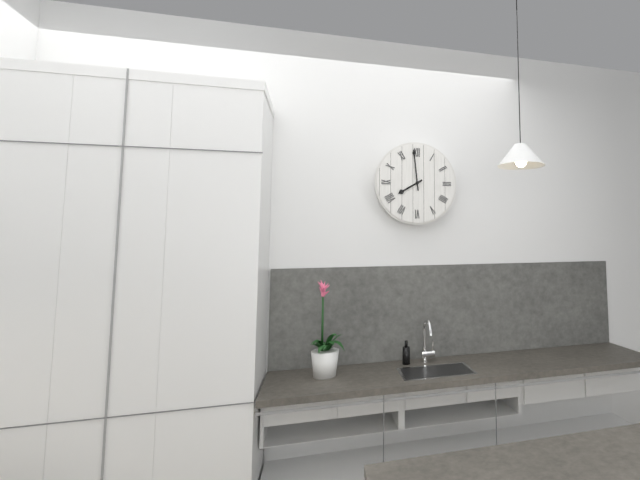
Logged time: 7,59
